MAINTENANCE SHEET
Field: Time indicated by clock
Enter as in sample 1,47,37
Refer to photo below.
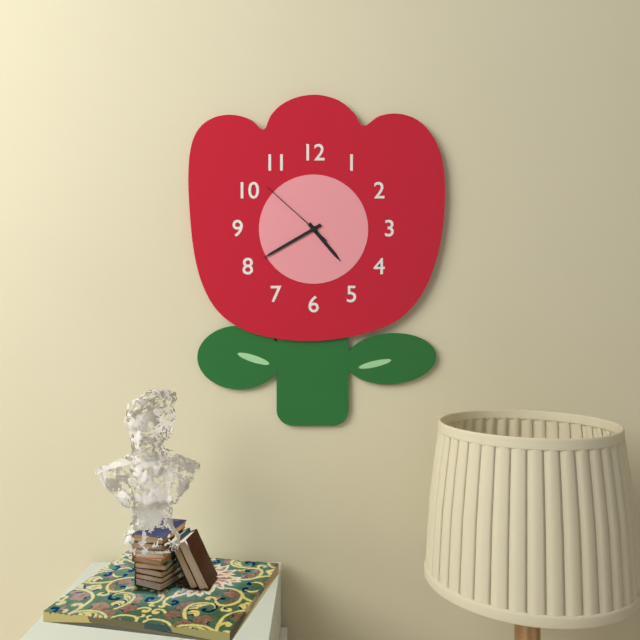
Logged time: 4,40,52
